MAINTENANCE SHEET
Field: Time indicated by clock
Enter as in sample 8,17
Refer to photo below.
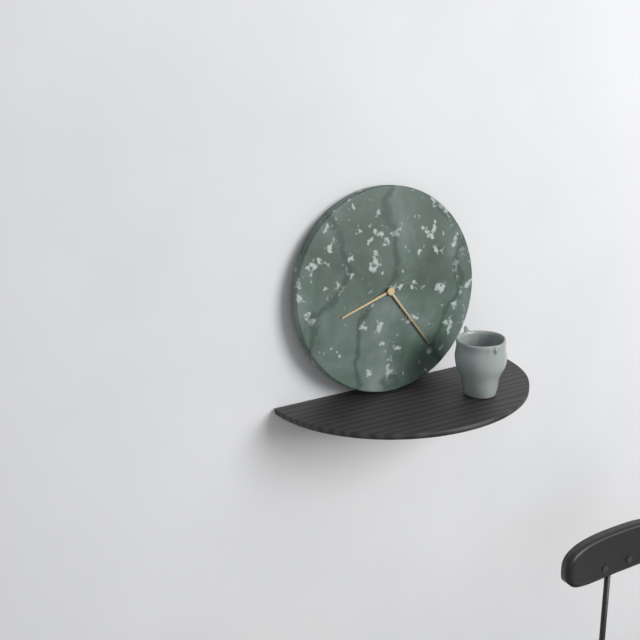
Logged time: 8,24
